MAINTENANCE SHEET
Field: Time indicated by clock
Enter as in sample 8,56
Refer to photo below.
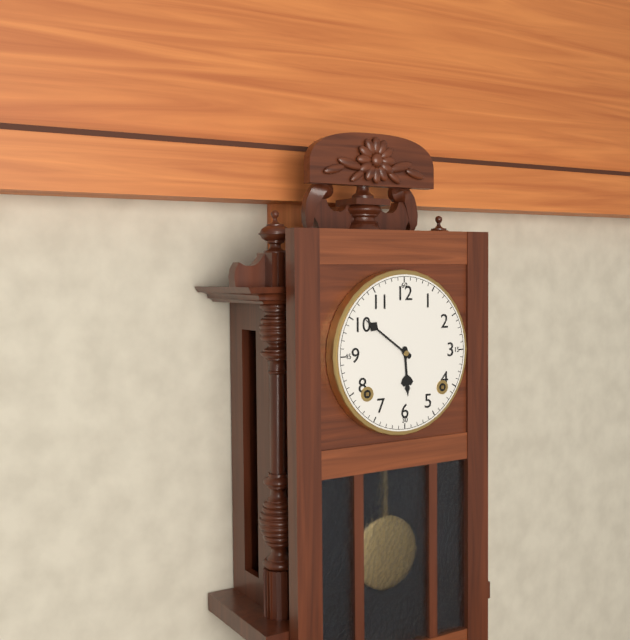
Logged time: 5,51
